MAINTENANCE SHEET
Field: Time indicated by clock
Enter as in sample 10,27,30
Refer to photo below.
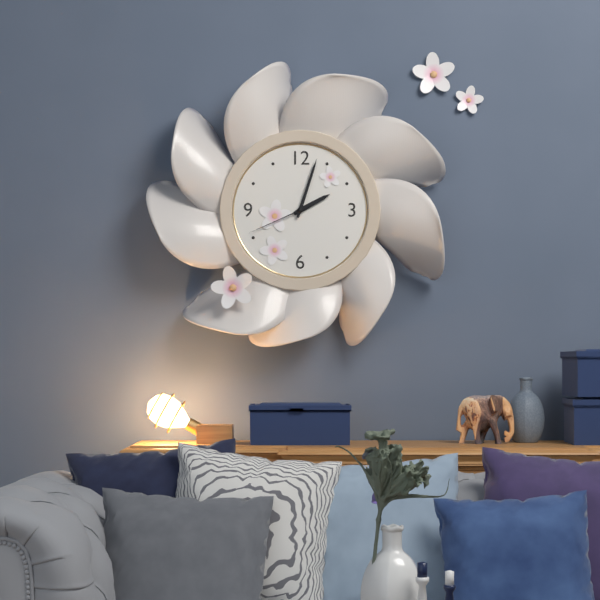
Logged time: 2,03,41
